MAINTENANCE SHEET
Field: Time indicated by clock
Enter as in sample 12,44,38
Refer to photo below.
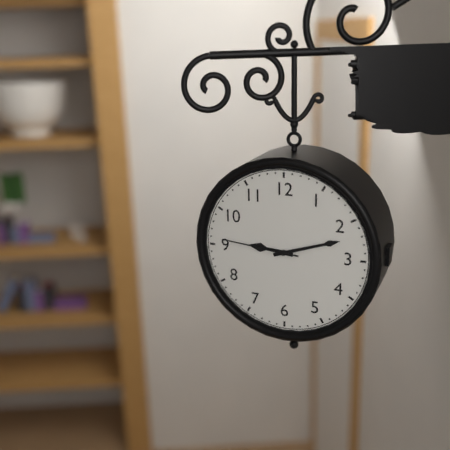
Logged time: 9,12,46
